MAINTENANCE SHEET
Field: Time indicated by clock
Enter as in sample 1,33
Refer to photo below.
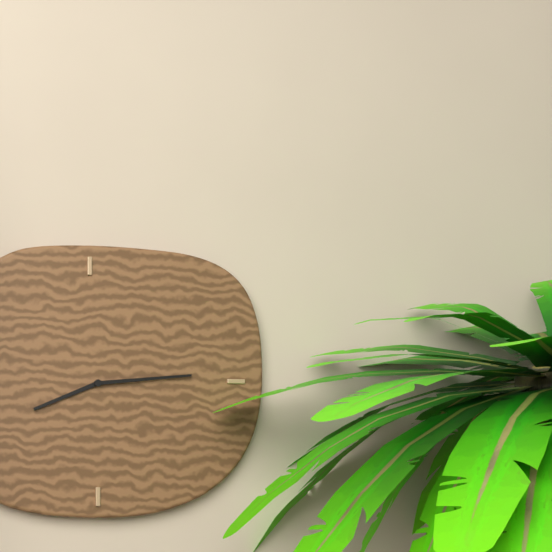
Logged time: 8,14
